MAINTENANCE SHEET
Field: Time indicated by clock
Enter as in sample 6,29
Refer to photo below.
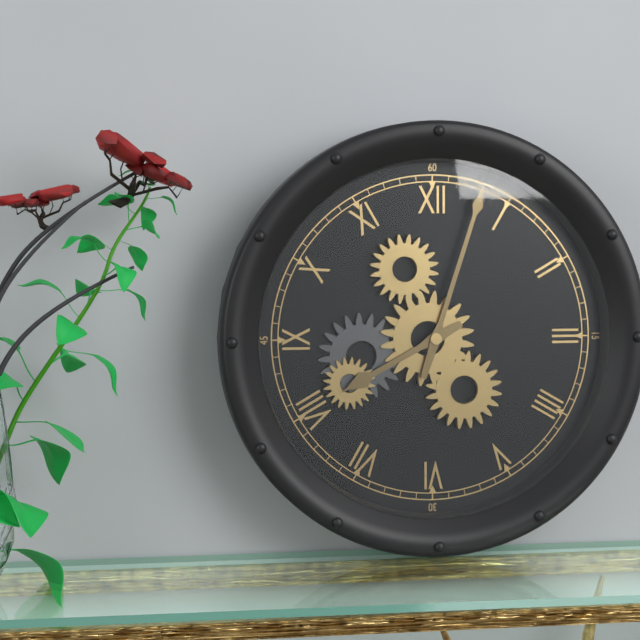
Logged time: 8,03
